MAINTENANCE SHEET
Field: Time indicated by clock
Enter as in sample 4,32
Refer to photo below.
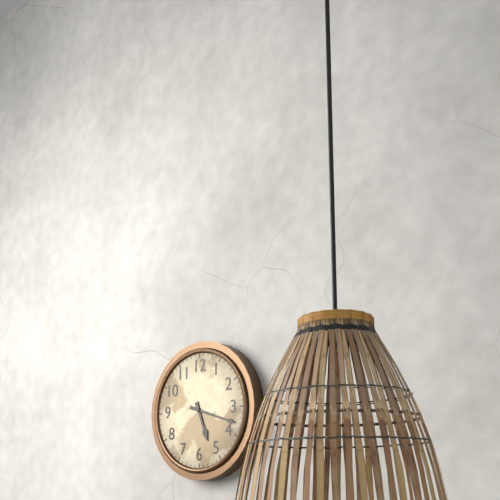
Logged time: 5,18
